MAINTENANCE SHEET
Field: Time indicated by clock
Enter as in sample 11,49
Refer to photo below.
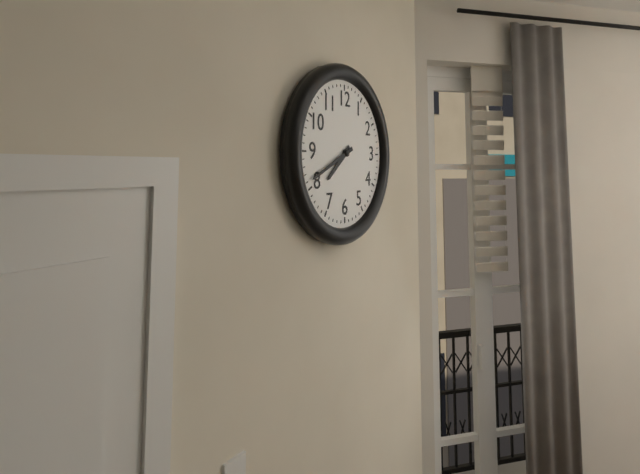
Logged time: 7,41
